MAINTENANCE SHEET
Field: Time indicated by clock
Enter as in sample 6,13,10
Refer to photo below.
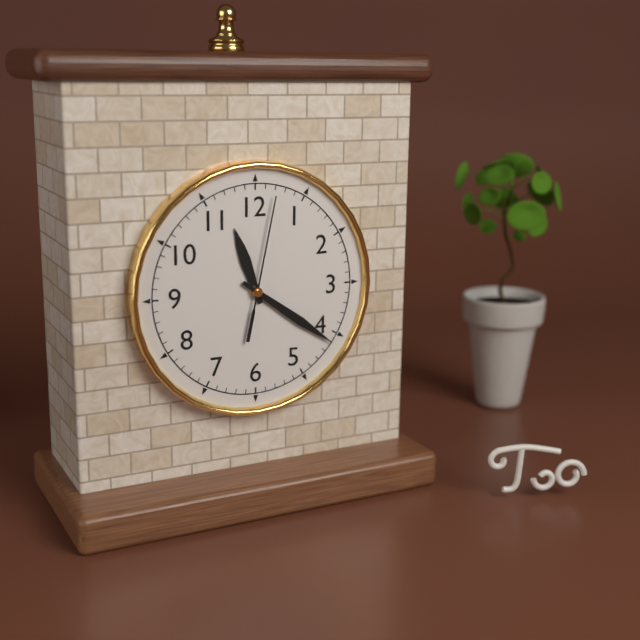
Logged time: 11,21,02
